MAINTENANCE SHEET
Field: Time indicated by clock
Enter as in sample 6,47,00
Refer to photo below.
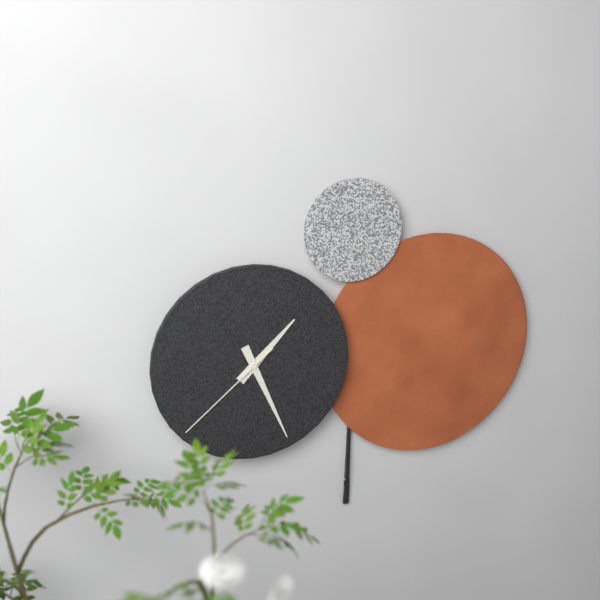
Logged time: 1,26,38
